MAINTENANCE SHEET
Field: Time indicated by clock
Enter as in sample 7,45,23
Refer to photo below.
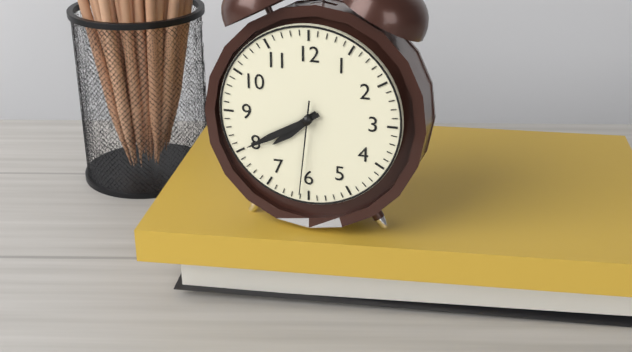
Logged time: 7,40,31
